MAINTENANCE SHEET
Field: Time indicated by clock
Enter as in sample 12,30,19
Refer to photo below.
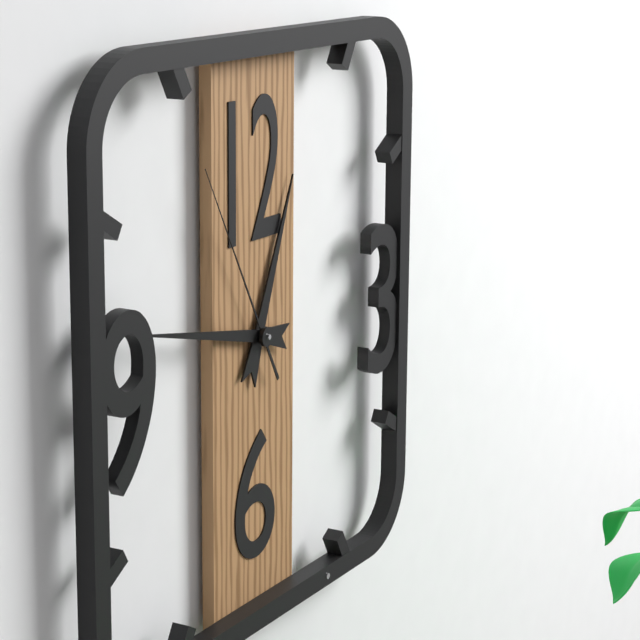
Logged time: 12,47,55
